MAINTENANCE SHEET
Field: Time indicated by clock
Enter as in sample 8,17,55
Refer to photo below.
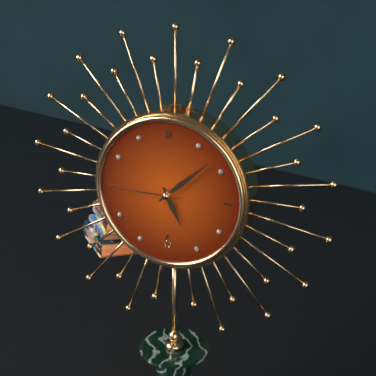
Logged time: 5,08,45
